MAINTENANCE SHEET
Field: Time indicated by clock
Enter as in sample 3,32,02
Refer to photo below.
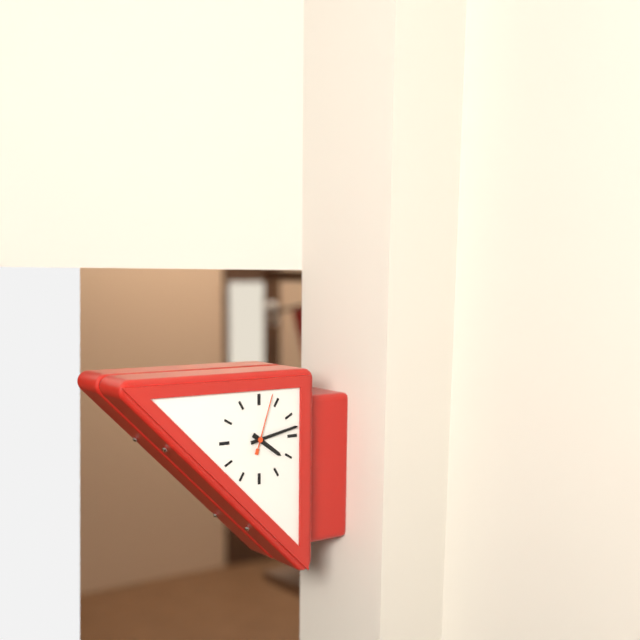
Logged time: 4,13,03
